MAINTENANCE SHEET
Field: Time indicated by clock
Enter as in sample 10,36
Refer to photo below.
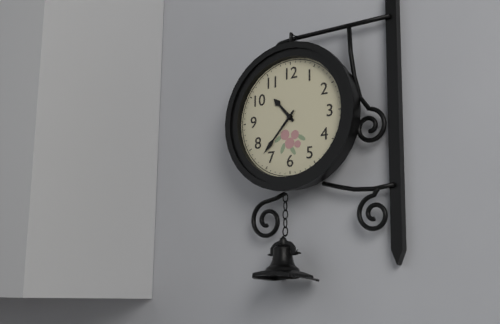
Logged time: 10,37
